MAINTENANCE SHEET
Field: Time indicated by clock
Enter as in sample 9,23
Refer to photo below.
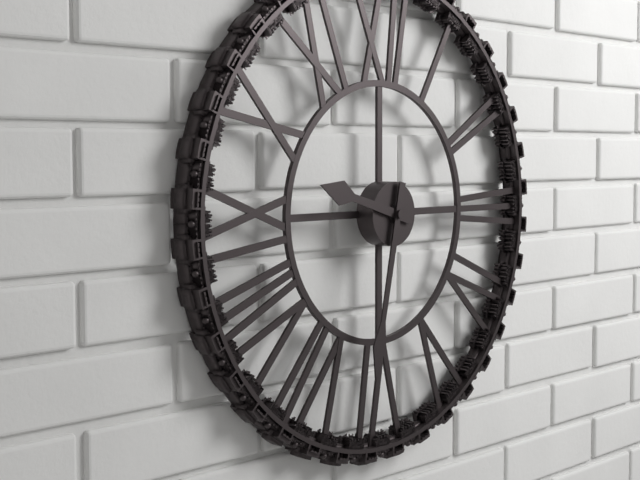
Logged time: 9,32
